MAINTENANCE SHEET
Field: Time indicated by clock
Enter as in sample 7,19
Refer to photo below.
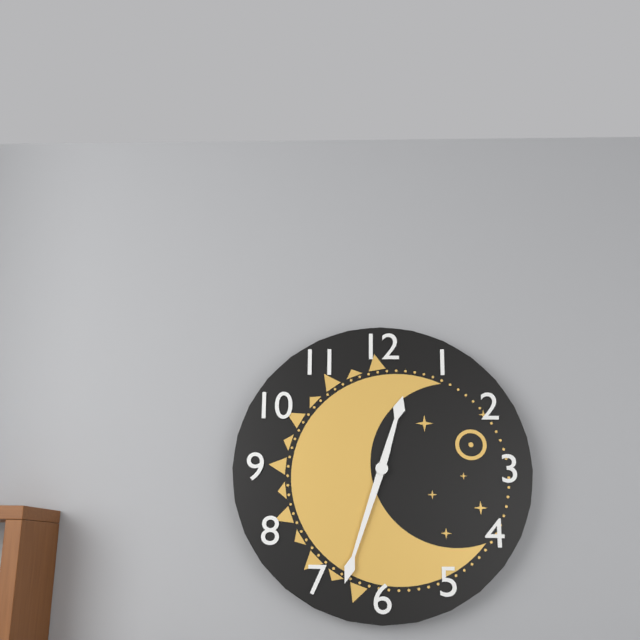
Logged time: 12,33
